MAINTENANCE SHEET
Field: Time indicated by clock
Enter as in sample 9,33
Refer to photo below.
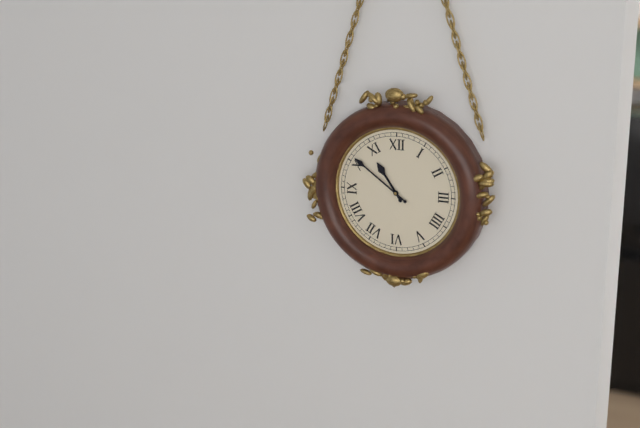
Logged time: 10,51
